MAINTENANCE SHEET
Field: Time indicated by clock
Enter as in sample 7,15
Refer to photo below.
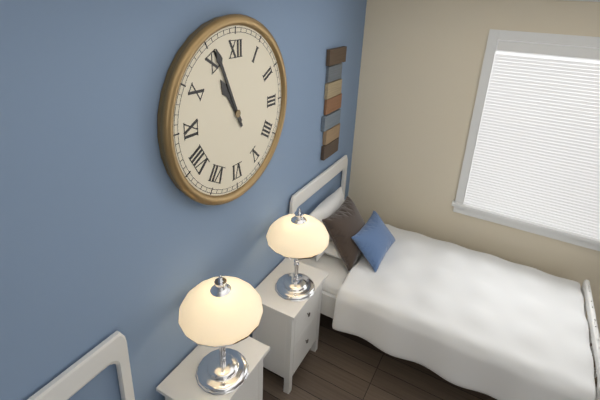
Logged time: 10,56
